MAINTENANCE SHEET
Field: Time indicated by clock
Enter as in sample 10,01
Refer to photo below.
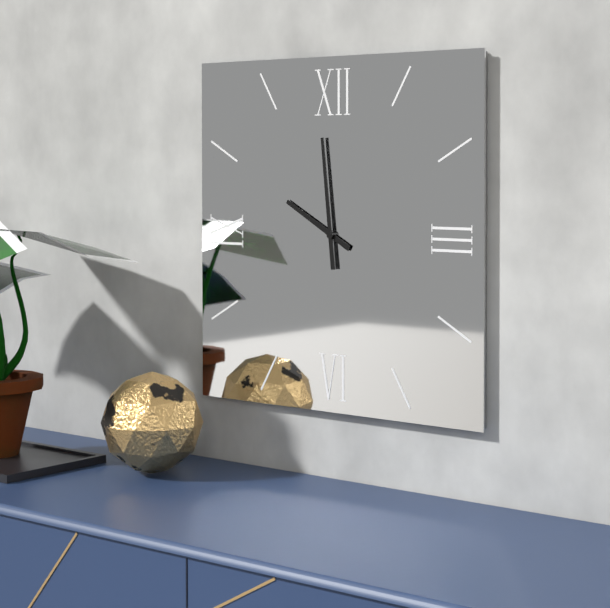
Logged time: 9,59
